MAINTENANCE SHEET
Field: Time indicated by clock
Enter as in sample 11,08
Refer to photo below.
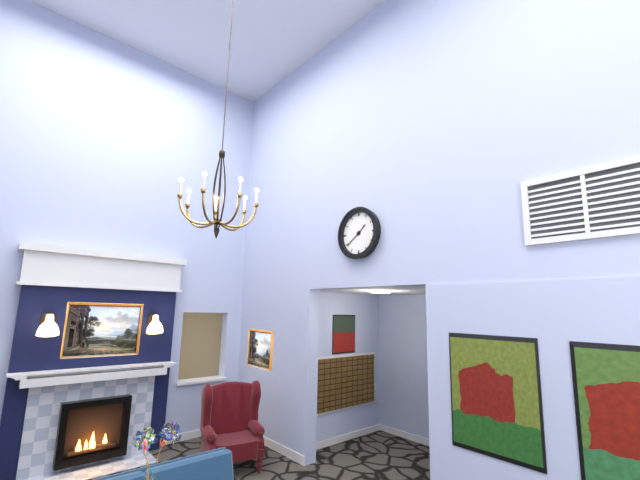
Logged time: 1,39
